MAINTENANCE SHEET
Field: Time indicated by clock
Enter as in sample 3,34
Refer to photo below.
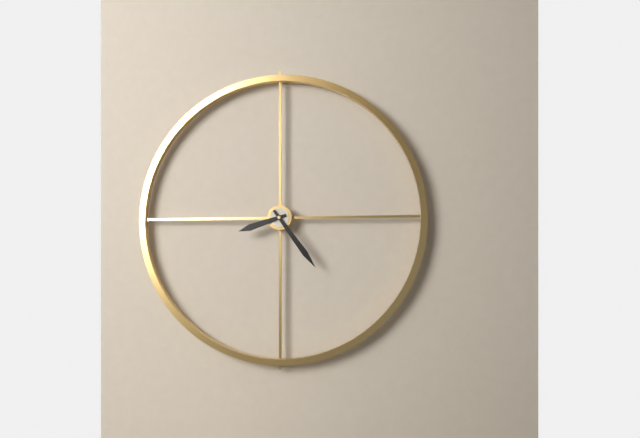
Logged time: 8,24
